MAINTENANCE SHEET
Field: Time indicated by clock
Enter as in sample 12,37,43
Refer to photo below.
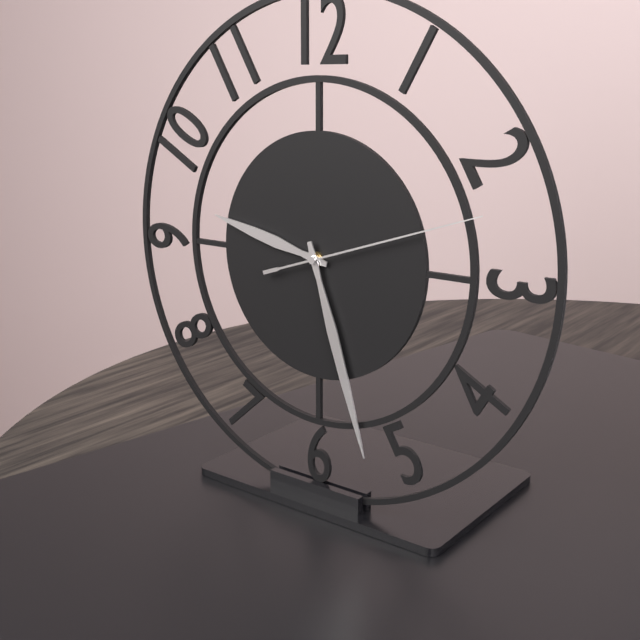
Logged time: 9,27,12
